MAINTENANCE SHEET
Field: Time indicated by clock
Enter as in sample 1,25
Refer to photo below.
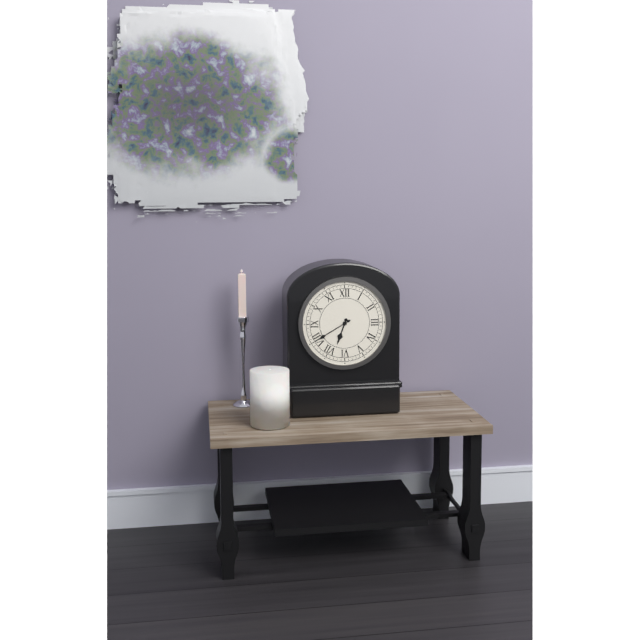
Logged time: 6,40
